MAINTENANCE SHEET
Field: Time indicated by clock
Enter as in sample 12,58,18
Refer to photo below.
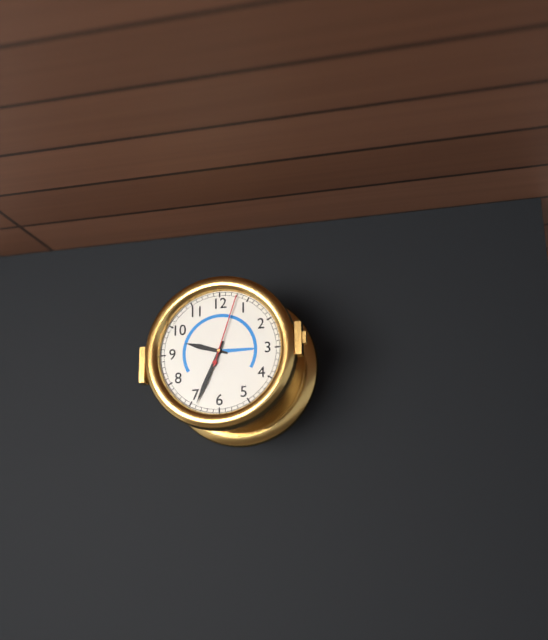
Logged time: 9,34,03
